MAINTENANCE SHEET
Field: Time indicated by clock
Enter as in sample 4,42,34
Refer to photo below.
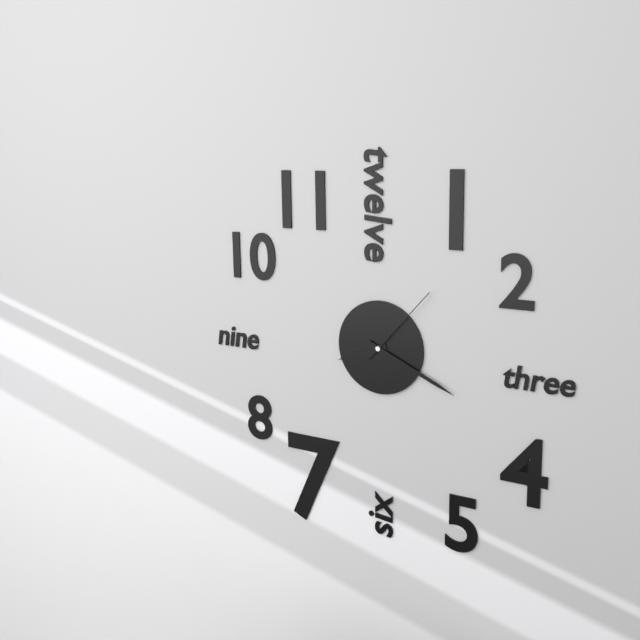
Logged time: 8,19,07
